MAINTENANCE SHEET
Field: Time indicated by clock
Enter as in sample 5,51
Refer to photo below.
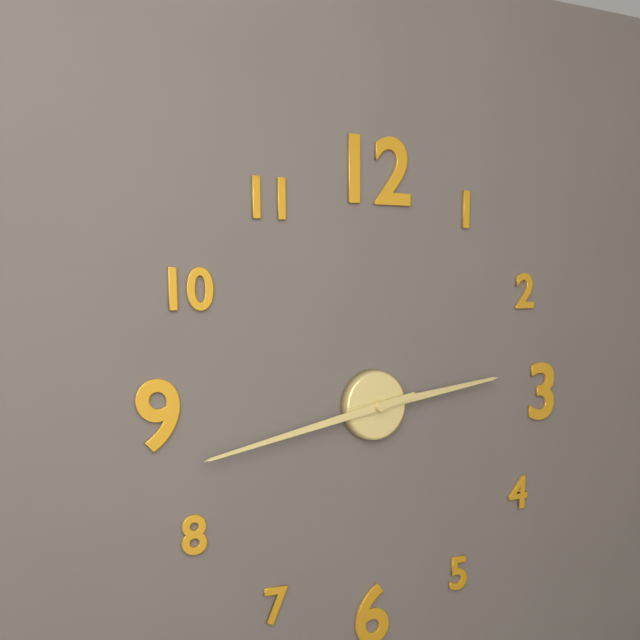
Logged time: 2,43
